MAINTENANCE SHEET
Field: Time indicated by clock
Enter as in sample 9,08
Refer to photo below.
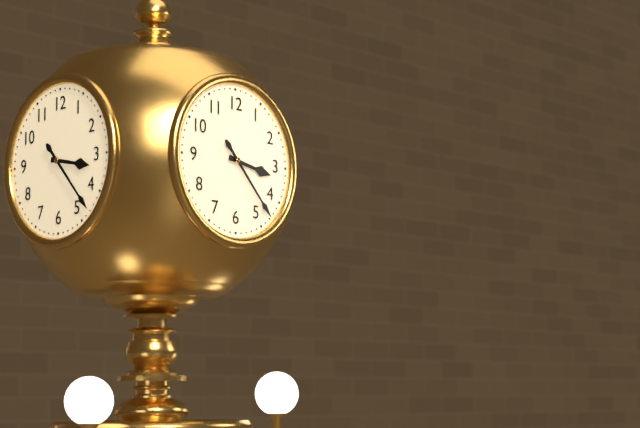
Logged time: 3,23
